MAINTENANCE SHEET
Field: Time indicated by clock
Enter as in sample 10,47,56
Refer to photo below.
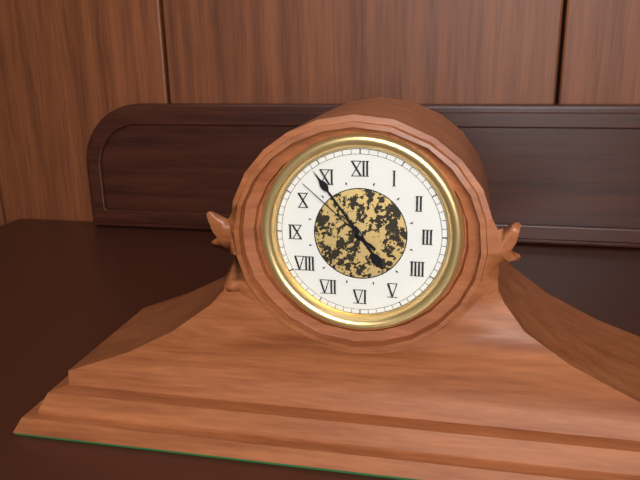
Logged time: 4,54,52
